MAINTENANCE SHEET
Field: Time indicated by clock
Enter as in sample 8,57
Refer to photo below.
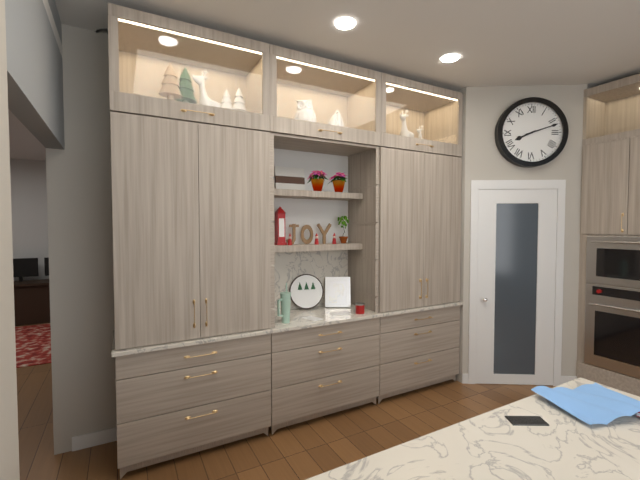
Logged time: 8,12
